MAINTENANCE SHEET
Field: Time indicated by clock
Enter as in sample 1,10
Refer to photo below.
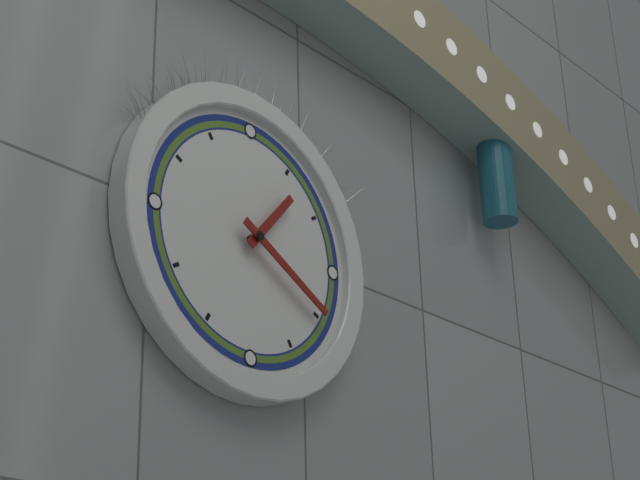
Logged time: 1,20
